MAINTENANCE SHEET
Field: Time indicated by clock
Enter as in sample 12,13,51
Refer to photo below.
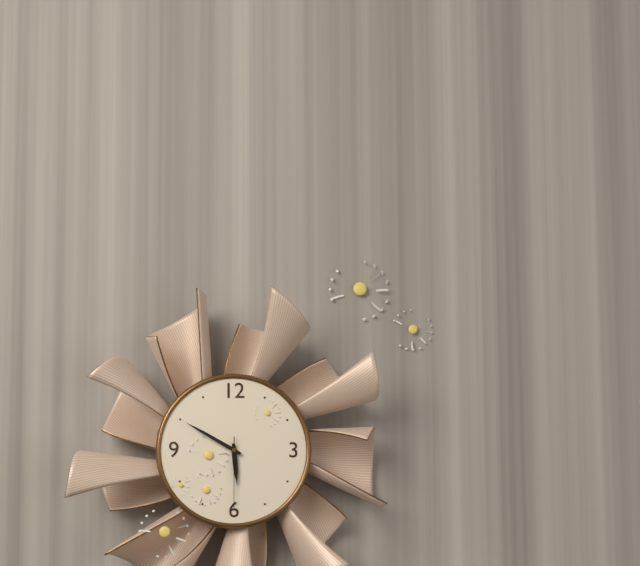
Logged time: 5,50,30
